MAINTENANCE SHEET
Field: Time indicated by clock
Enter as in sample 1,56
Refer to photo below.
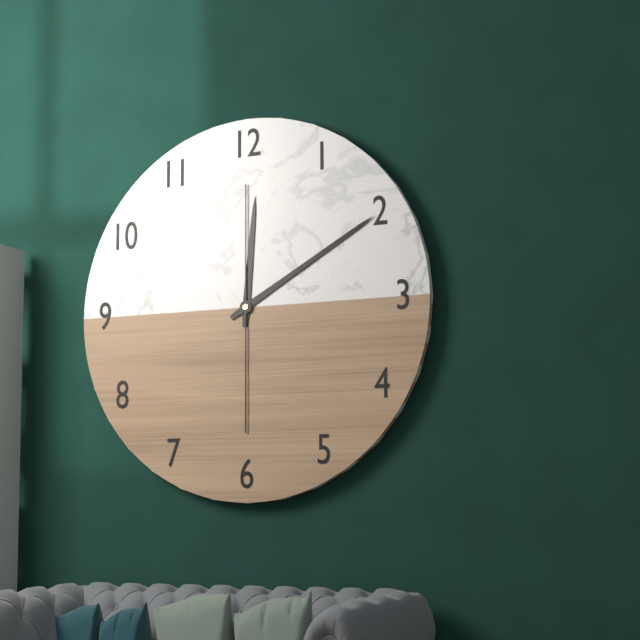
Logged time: 12,10
